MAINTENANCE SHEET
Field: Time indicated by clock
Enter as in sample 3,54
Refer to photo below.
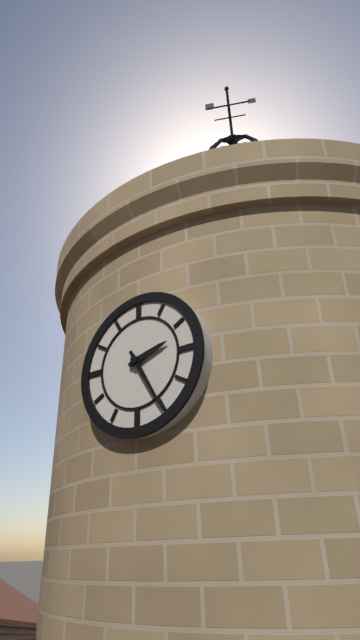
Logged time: 2,25
